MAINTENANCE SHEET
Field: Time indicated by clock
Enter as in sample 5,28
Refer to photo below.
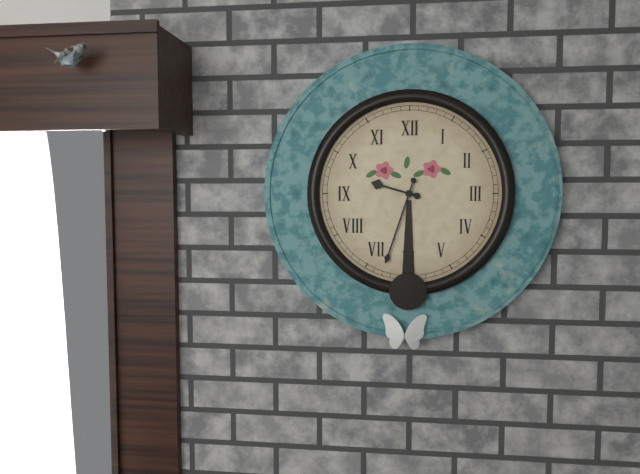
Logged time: 9,33
